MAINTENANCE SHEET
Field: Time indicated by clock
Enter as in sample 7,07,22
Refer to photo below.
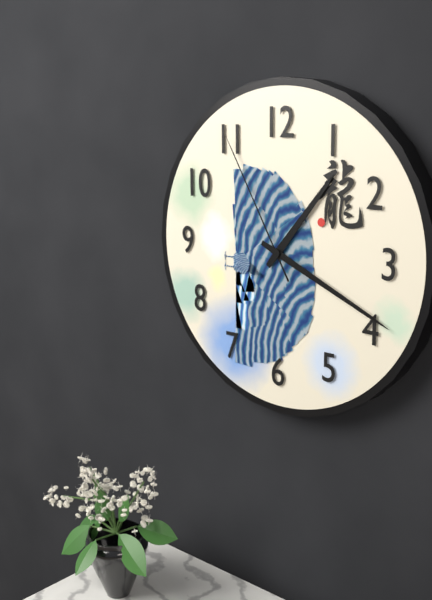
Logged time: 1,19,55
